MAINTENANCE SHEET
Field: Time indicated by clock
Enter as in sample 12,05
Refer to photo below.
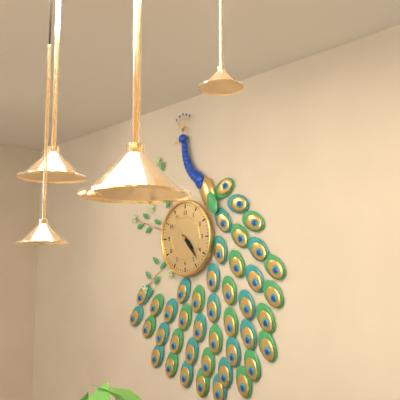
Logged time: 4,23
